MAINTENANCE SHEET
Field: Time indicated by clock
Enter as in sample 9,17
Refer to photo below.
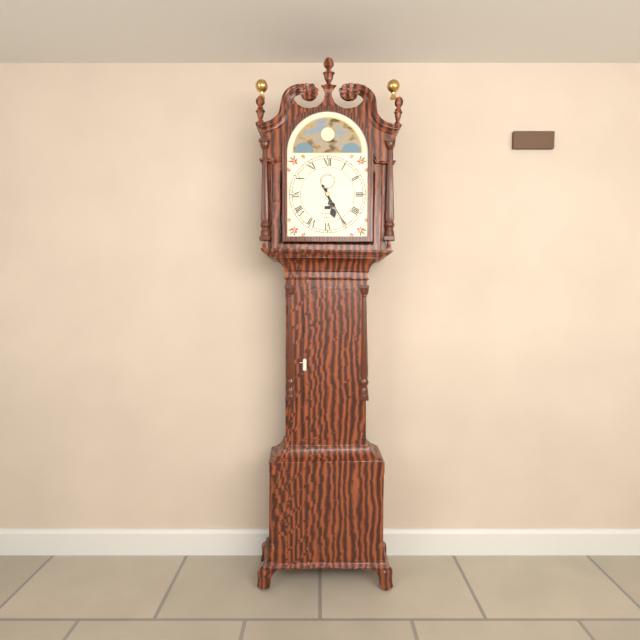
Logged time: 5,25
